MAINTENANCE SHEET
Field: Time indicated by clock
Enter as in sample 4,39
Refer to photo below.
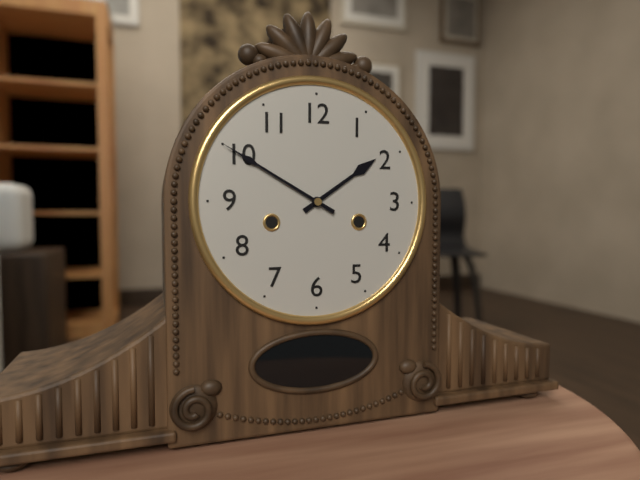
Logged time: 1,50
